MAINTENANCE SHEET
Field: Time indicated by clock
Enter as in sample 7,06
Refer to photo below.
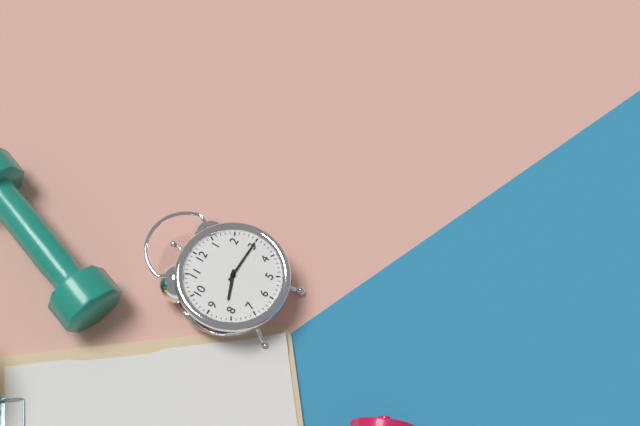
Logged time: 8,15
